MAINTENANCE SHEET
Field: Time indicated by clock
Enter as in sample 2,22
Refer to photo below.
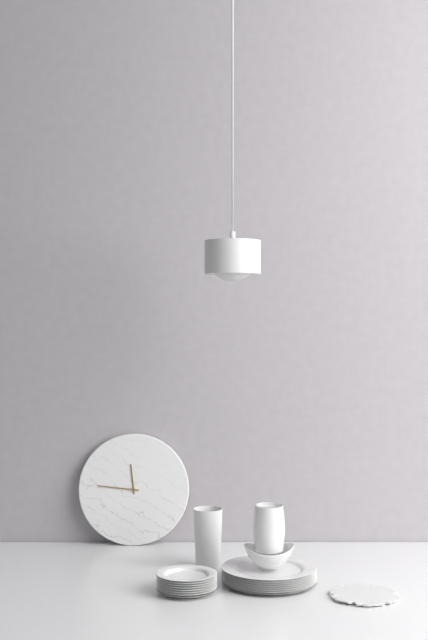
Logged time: 11,46
